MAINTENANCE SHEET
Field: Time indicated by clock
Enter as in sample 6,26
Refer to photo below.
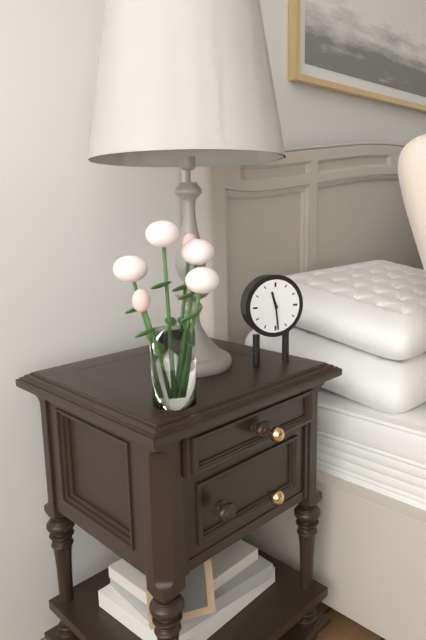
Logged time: 11,29
